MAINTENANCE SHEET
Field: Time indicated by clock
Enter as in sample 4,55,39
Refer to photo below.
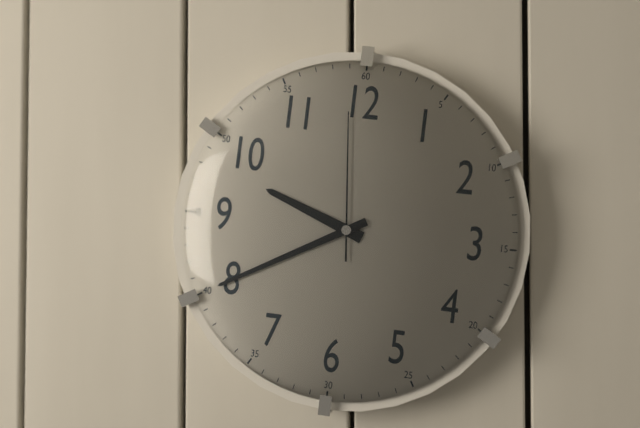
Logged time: 9,40,59
